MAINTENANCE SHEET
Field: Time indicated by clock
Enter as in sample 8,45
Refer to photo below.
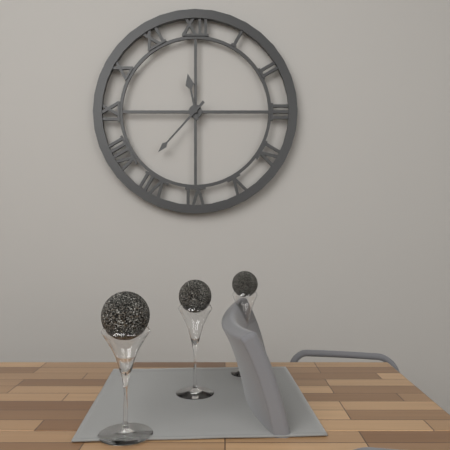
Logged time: 11,37
